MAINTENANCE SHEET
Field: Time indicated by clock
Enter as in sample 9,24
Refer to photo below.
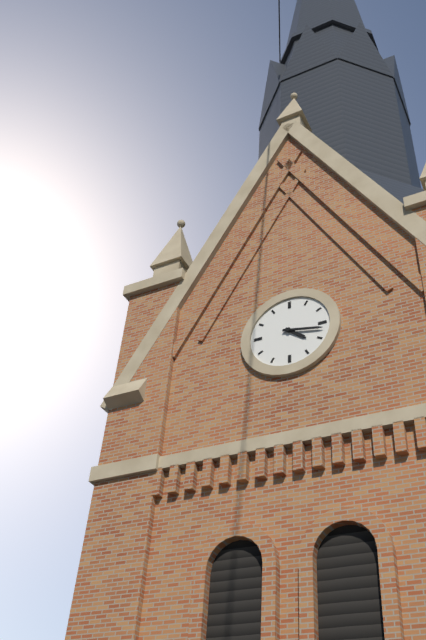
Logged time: 4,17
